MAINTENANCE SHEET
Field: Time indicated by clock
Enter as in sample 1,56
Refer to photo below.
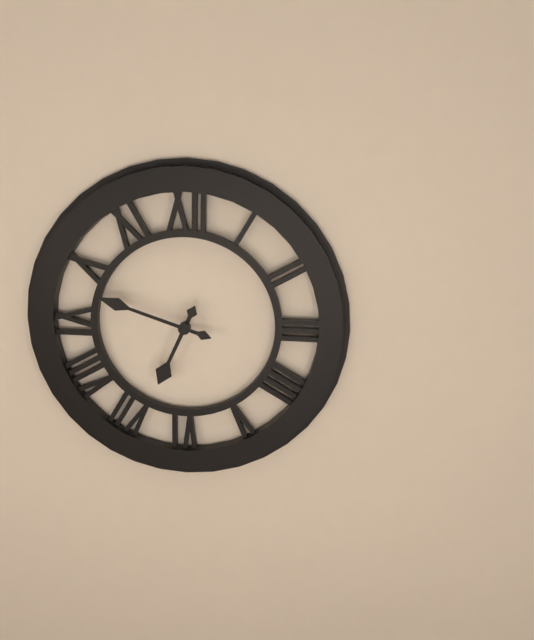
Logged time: 6,48
